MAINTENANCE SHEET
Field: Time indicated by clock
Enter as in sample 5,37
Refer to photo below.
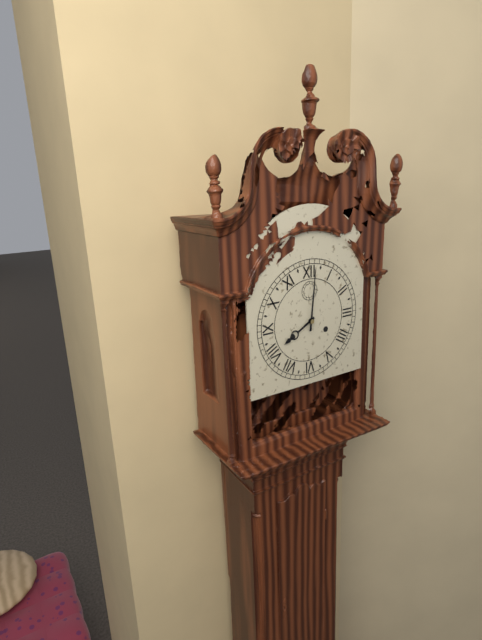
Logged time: 8,01
